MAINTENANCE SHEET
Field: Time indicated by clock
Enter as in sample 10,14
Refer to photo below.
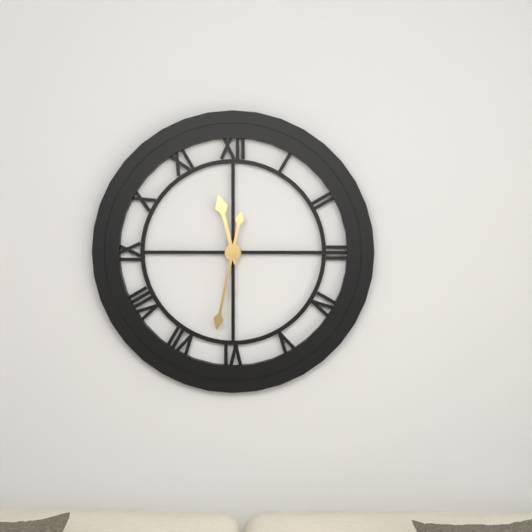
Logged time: 11,32
